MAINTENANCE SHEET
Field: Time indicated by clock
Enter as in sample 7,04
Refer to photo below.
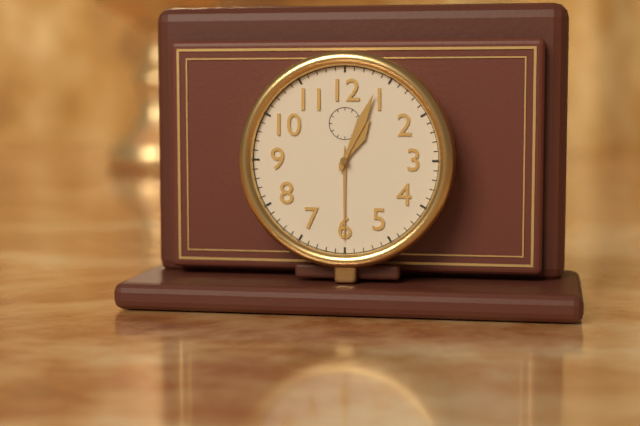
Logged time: 1,04
